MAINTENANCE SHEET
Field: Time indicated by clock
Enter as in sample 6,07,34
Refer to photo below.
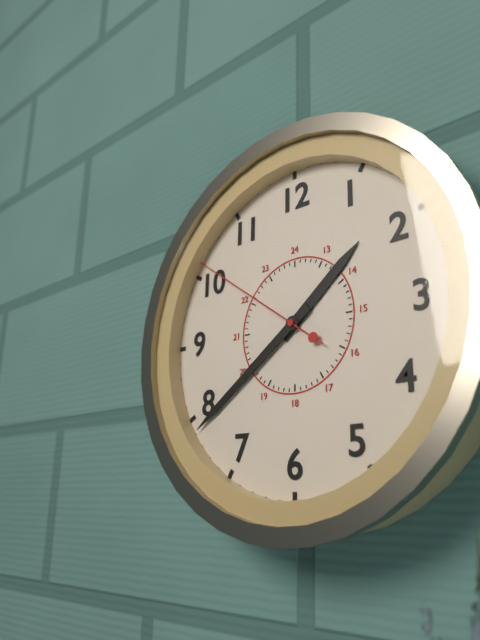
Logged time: 1,39,51
